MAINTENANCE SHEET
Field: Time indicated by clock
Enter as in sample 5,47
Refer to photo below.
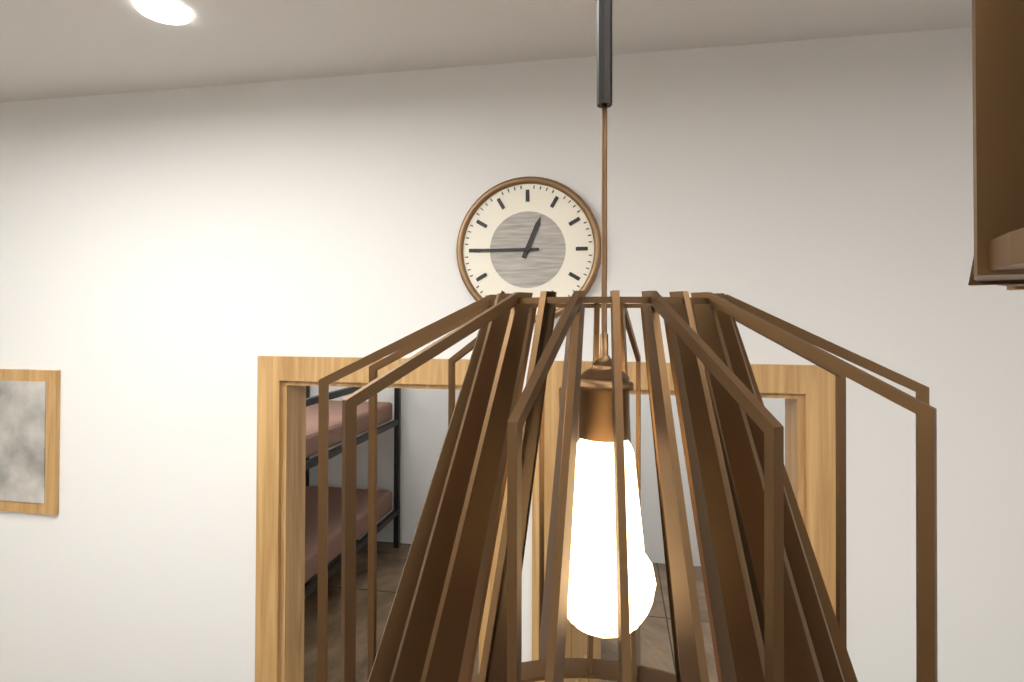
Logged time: 12,45
